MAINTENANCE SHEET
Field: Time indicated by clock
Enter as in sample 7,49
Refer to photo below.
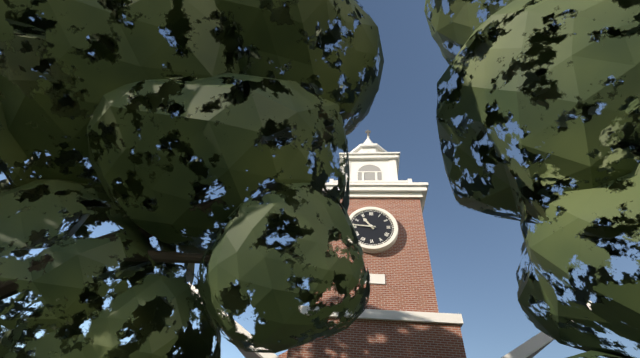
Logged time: 10,46
